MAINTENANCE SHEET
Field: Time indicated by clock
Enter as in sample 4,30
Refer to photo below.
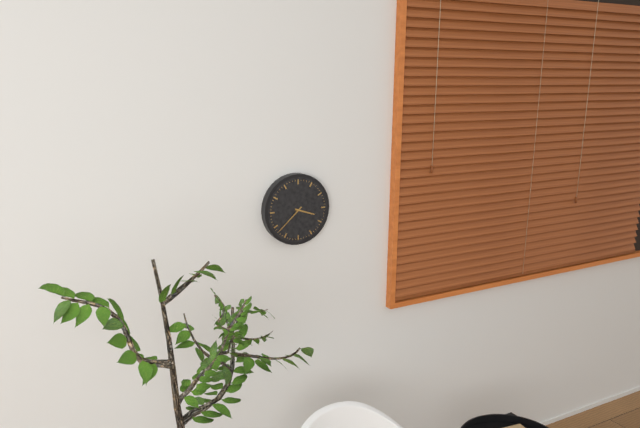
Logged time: 3,38
